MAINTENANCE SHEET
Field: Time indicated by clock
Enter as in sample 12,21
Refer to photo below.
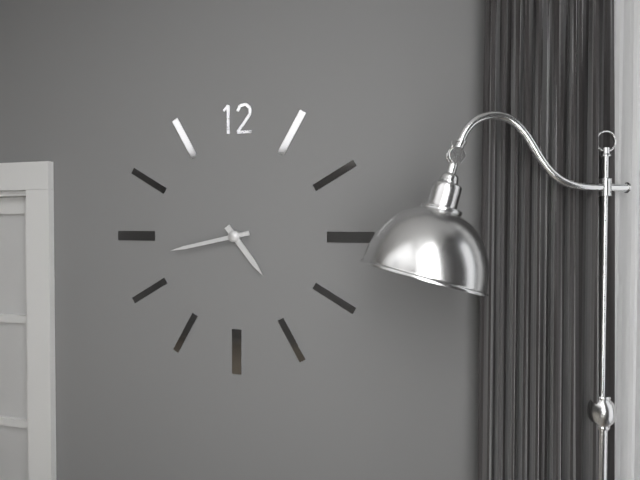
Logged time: 4,43
